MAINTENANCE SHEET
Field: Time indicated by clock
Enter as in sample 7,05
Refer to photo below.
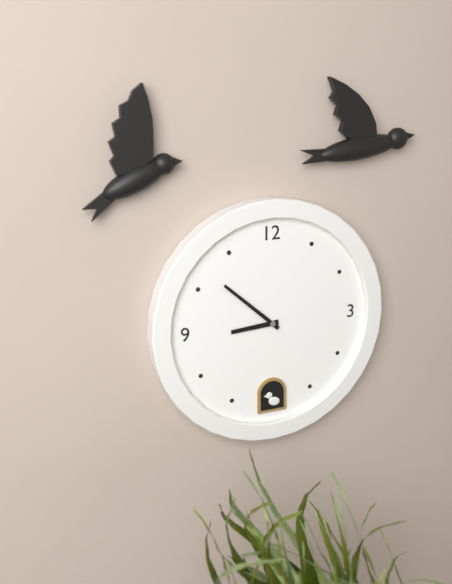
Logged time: 8,52
